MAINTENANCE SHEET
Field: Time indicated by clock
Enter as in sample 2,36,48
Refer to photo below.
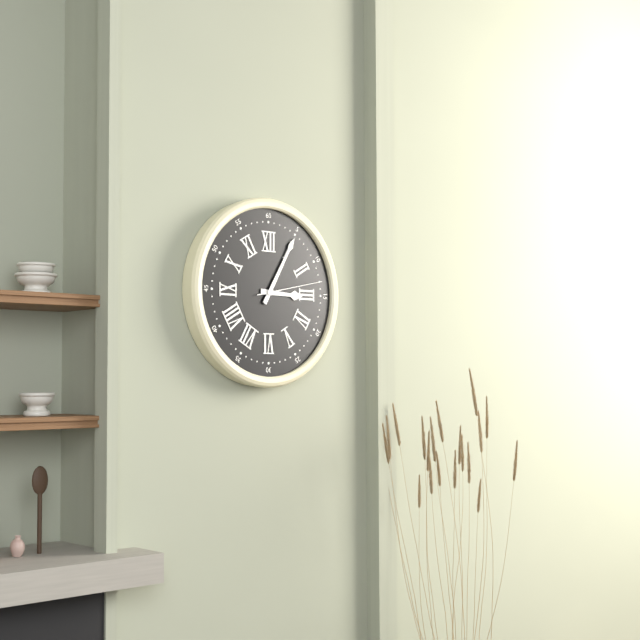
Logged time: 3,05,13
